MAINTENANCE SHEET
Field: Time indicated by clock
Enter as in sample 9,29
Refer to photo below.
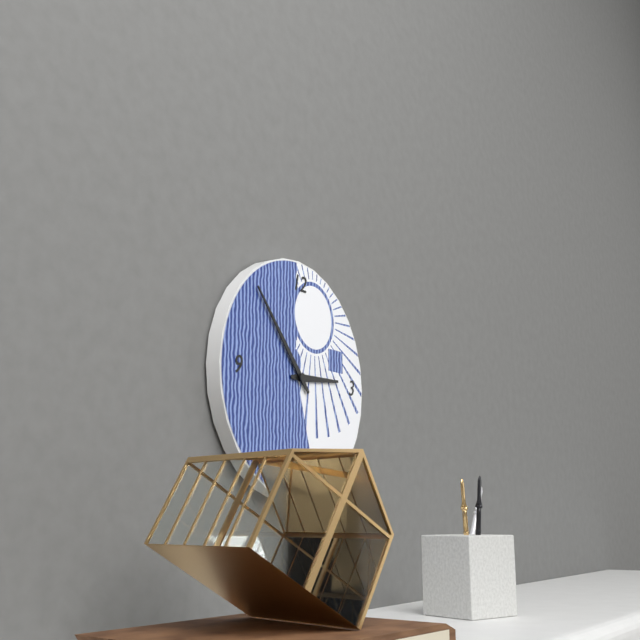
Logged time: 2,53
